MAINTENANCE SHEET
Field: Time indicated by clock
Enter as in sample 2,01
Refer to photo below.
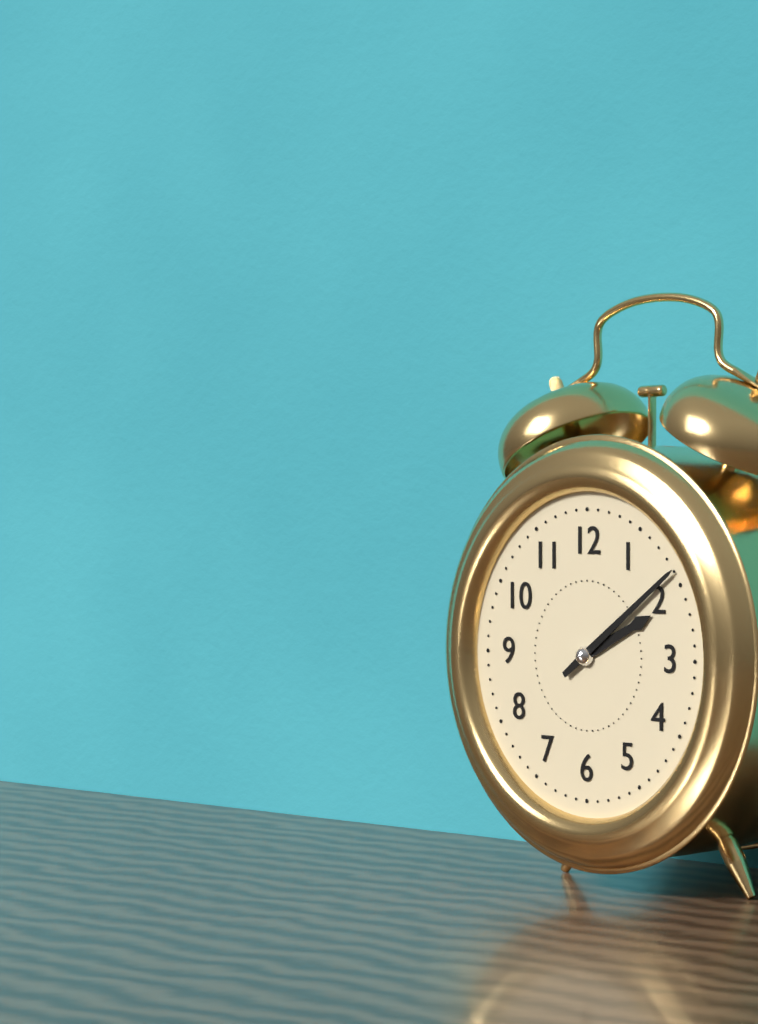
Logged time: 2,09
